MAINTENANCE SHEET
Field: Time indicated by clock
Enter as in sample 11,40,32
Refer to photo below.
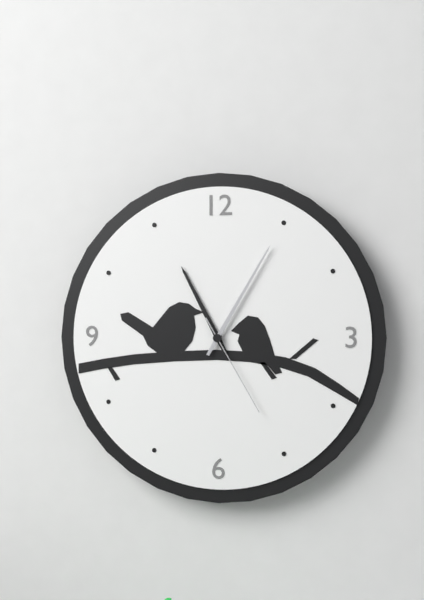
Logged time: 11,05,25
